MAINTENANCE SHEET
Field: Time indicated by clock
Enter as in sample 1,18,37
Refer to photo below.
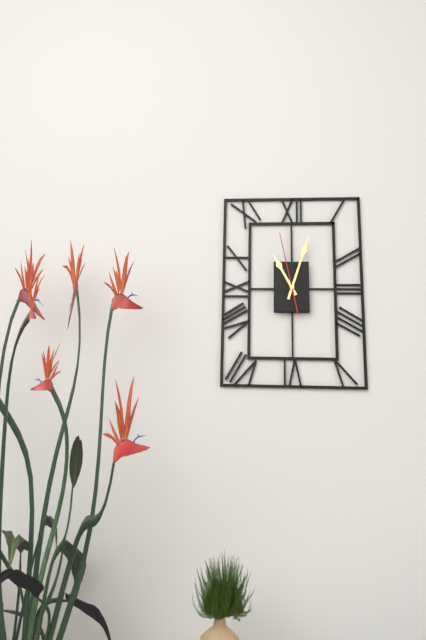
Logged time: 11,03,58
